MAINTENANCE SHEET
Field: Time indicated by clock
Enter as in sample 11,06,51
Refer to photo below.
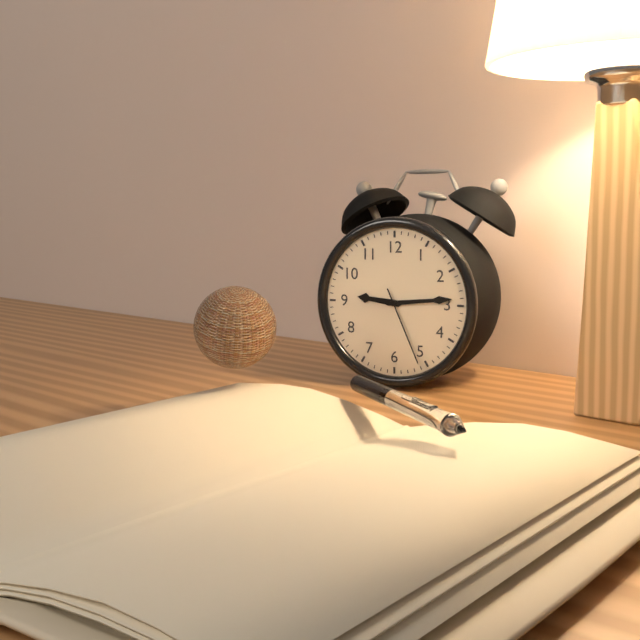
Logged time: 9,14,26
